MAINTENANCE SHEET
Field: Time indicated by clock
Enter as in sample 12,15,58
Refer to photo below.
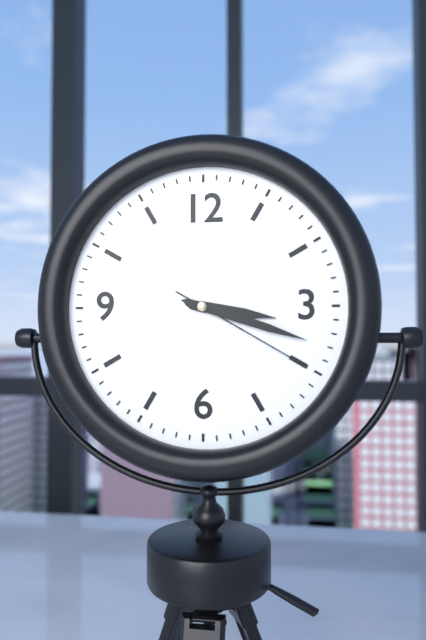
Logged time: 3,18,20
